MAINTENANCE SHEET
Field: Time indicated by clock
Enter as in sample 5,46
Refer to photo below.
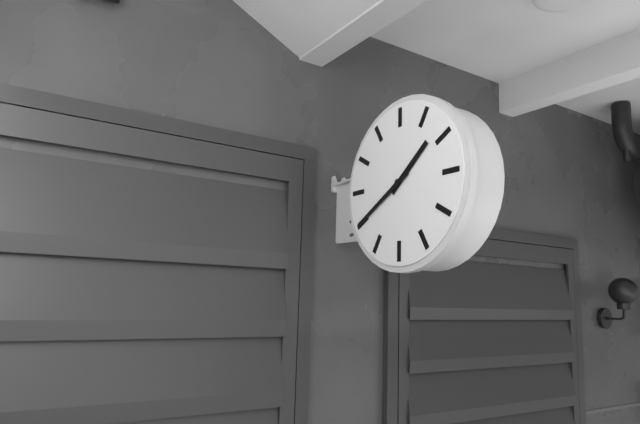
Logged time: 1,40
